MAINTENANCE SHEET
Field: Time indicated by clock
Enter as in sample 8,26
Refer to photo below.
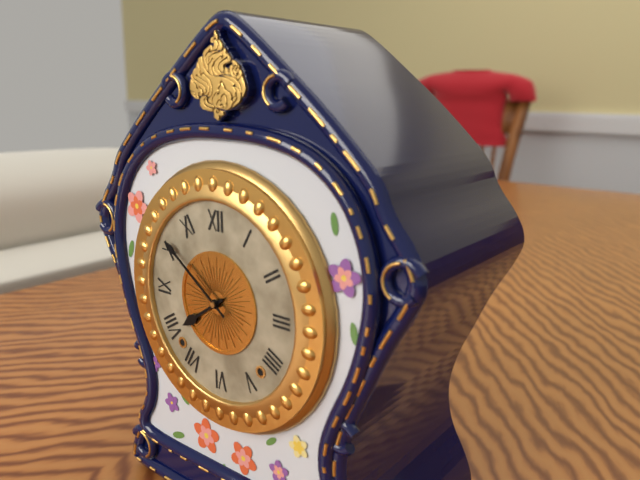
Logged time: 7,51
